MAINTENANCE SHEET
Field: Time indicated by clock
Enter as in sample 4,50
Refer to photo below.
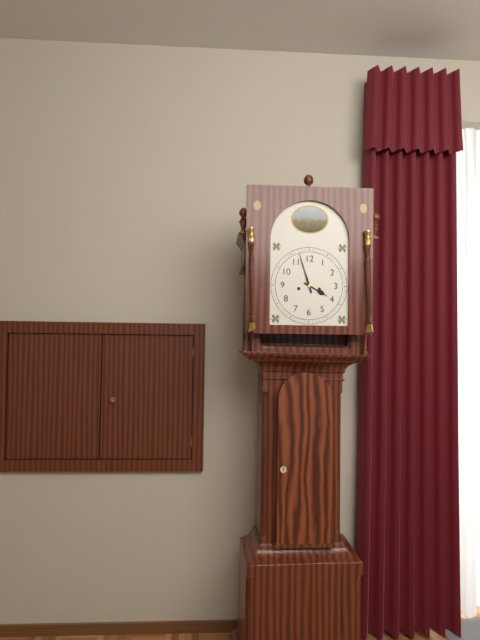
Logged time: 3,57
